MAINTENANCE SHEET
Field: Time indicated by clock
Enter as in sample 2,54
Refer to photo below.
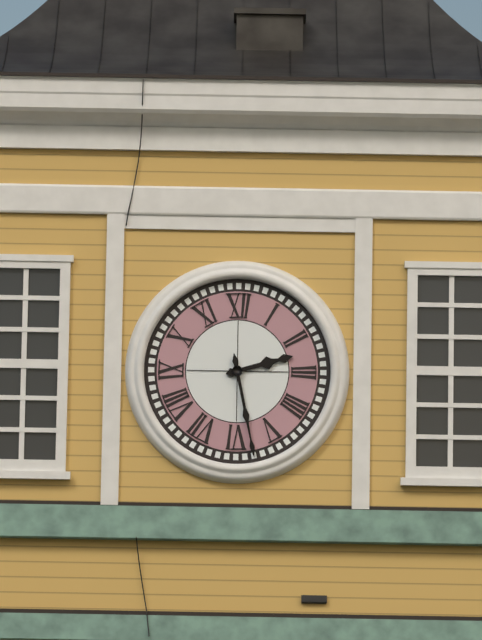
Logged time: 2,28
